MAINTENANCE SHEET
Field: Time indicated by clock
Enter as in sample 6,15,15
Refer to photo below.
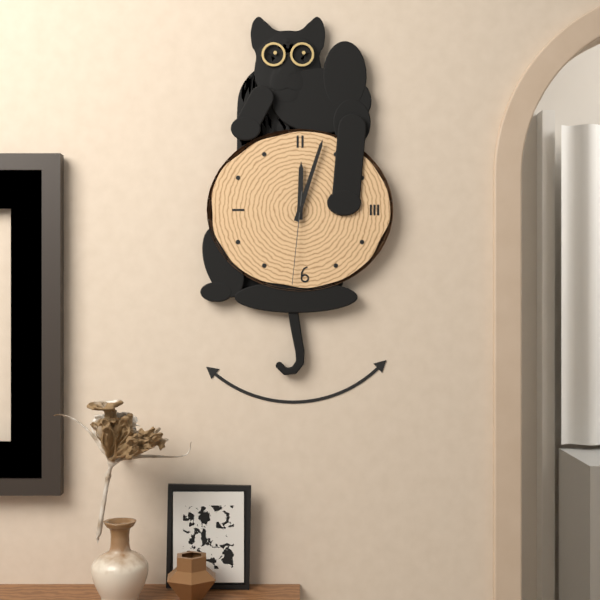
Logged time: 12,03,31
